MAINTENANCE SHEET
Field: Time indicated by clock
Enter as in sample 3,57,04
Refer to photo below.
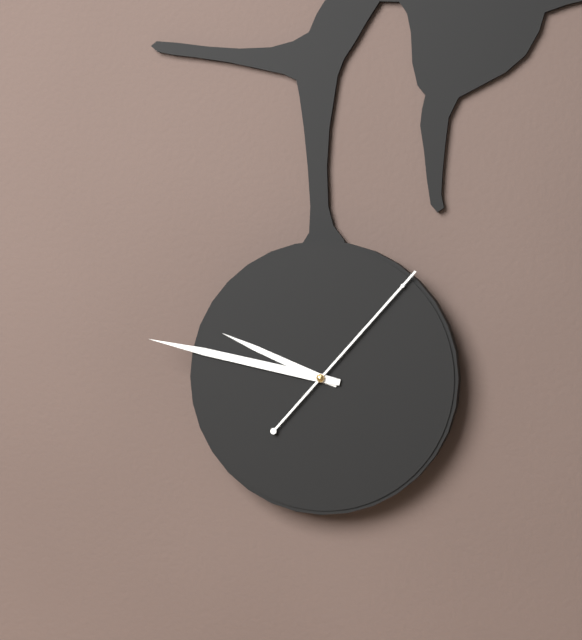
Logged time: 9,47,07
